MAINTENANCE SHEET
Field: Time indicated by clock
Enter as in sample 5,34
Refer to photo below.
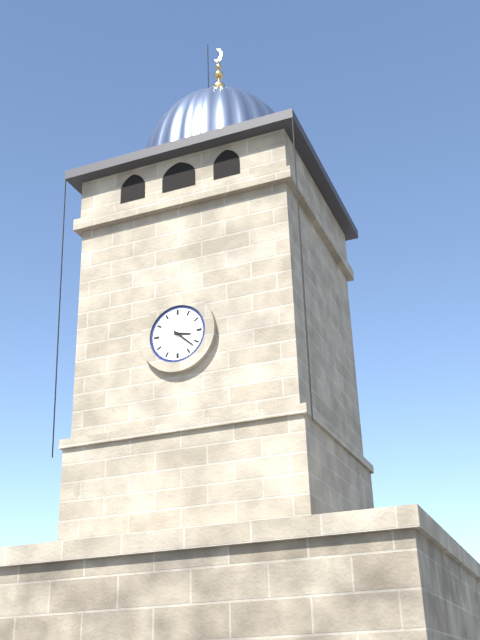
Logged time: 3,22
